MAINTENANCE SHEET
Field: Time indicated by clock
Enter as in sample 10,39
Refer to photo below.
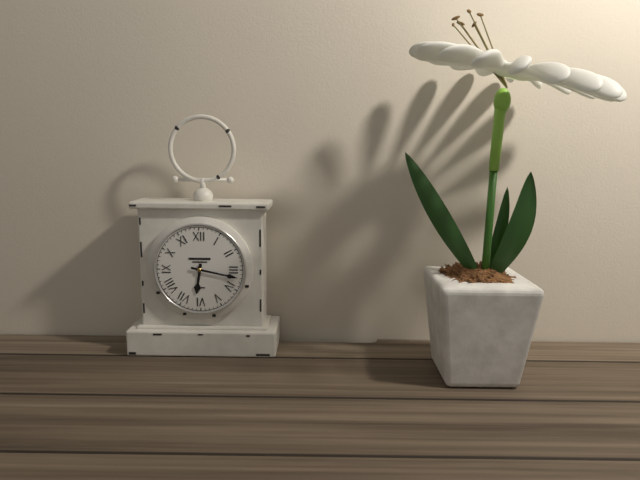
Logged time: 6,17
